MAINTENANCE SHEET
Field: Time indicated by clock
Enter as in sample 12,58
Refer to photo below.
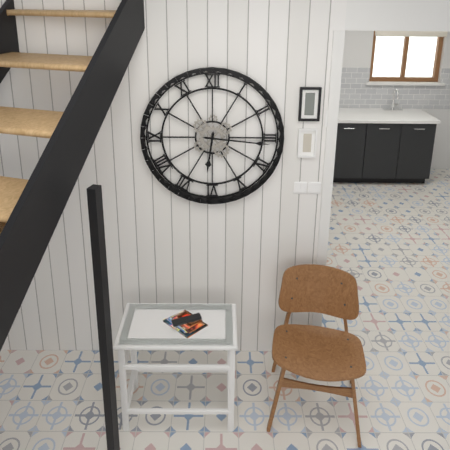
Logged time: 6,16
